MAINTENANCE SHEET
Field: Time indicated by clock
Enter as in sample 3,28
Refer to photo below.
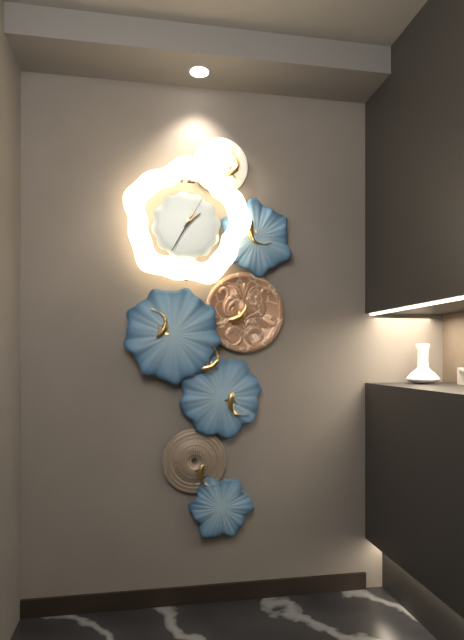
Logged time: 1,35
